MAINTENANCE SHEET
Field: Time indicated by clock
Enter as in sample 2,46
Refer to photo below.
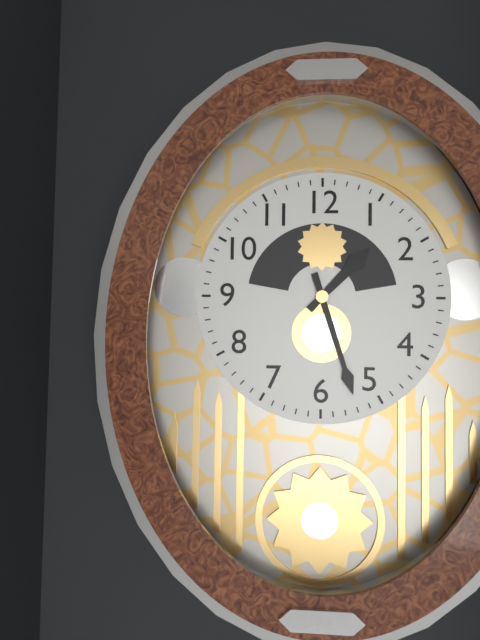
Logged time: 1,27
